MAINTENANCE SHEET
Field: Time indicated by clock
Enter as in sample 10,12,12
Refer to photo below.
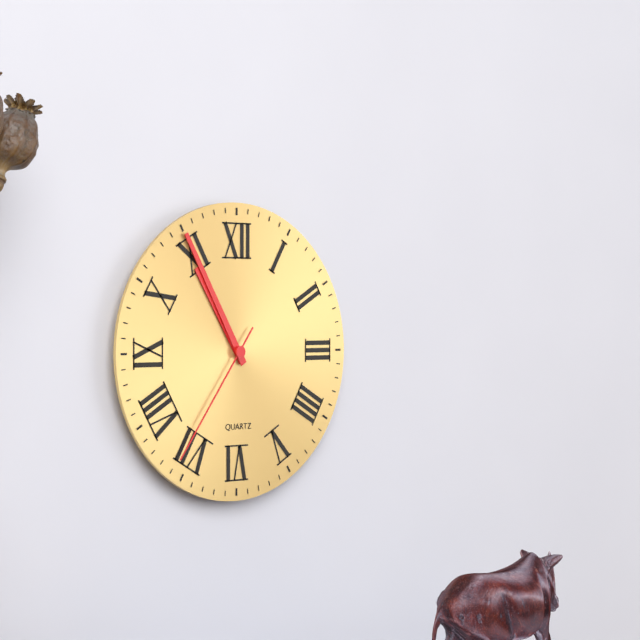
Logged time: 10,55,36
